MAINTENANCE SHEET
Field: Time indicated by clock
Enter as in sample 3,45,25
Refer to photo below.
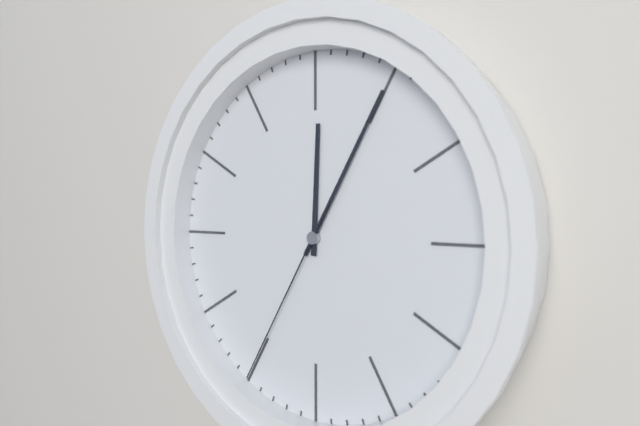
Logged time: 12,05,35
